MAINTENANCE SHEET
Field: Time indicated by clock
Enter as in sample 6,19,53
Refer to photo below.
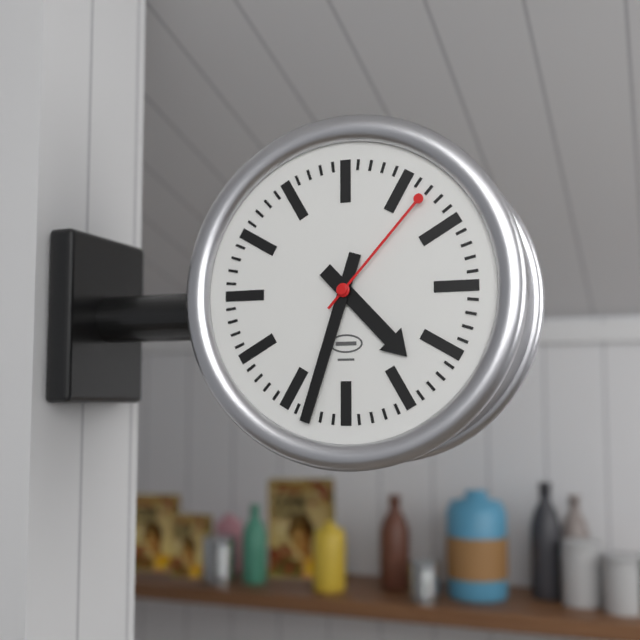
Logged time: 4,33,07
